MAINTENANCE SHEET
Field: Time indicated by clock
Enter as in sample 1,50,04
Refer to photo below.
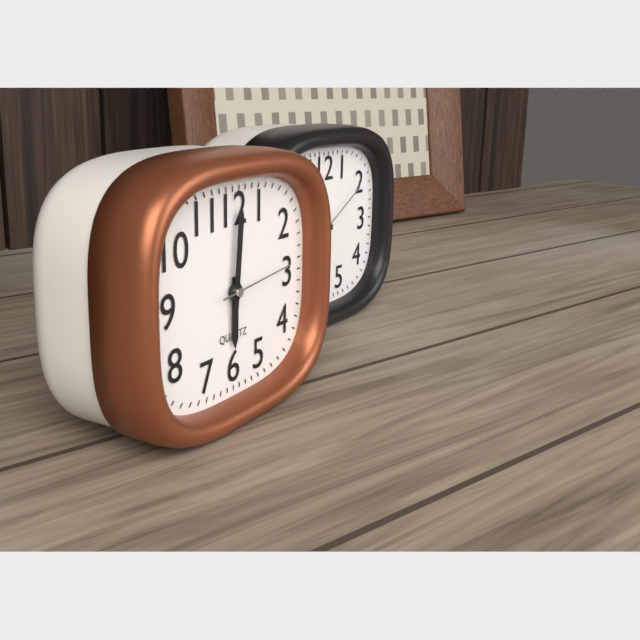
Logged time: 6,01,14
